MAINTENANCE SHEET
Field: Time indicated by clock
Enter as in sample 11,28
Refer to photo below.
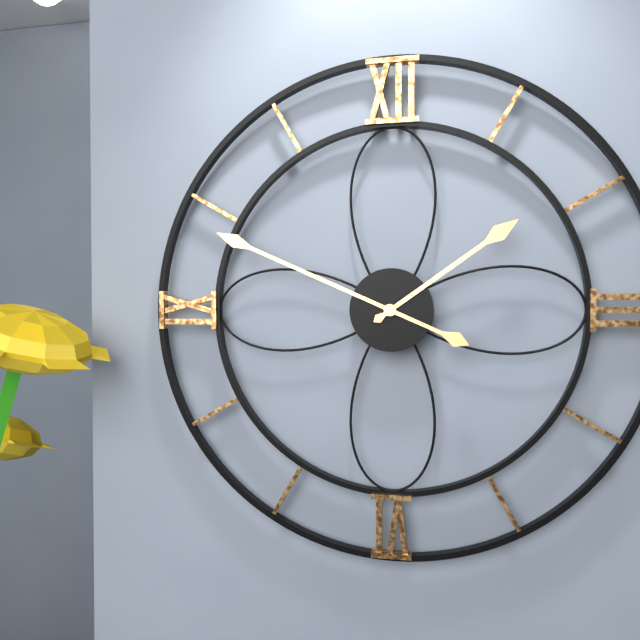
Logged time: 1,49
